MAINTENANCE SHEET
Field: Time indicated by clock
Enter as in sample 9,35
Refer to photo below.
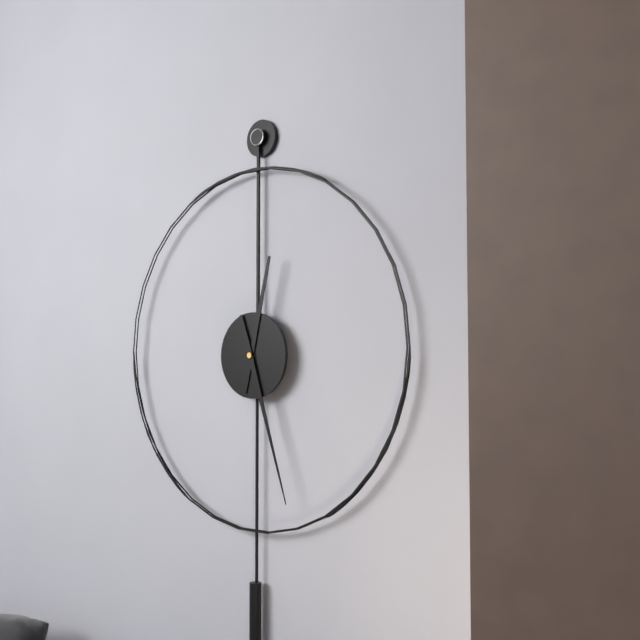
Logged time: 12,27
